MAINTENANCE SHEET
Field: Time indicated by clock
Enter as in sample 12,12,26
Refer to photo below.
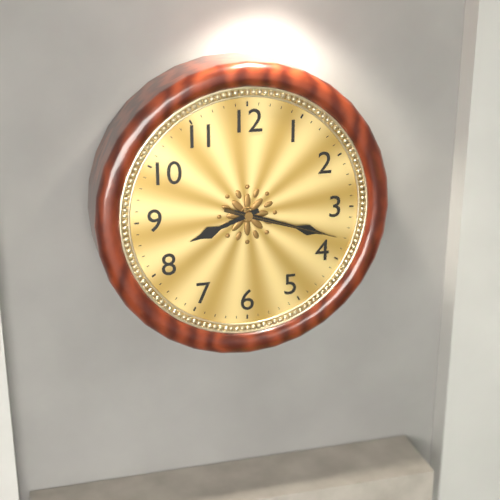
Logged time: 8,18,18
